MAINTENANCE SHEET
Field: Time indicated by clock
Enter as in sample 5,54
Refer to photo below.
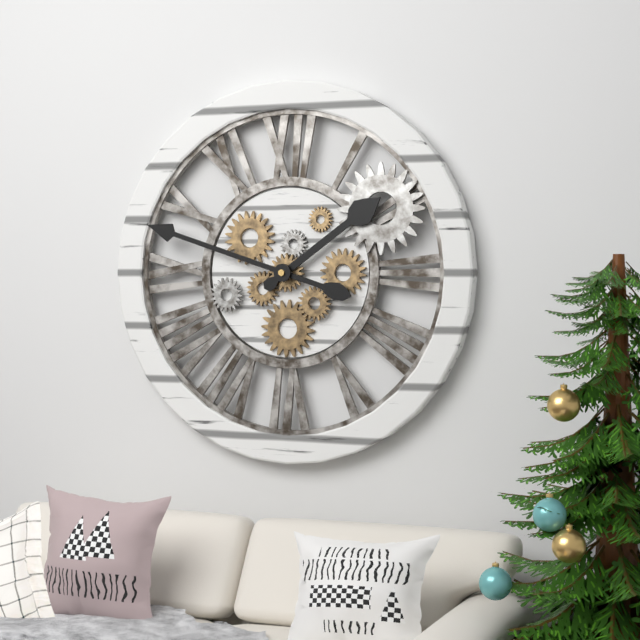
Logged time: 1,48
